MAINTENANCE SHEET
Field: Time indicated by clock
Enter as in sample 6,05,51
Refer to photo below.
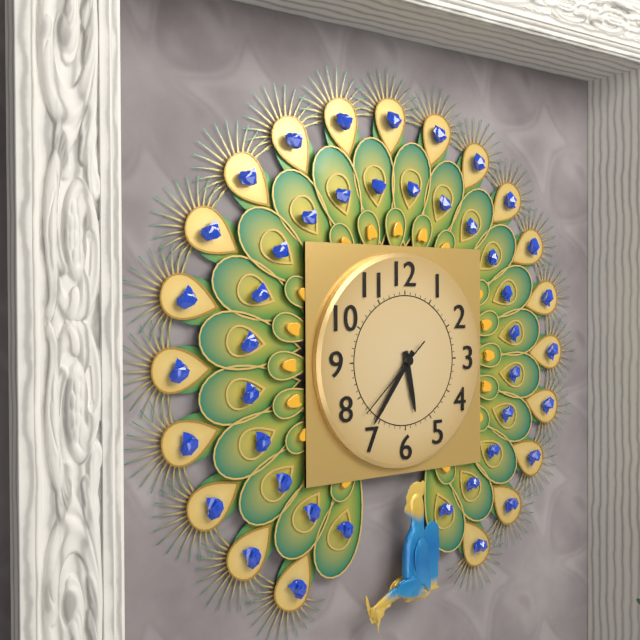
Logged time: 5,36,38
